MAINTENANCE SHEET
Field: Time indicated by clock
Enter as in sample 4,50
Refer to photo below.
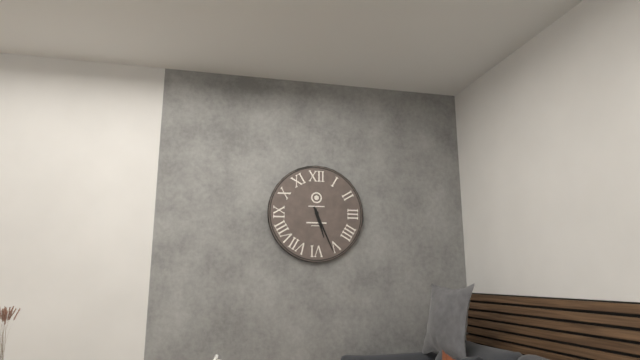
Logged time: 5,26
